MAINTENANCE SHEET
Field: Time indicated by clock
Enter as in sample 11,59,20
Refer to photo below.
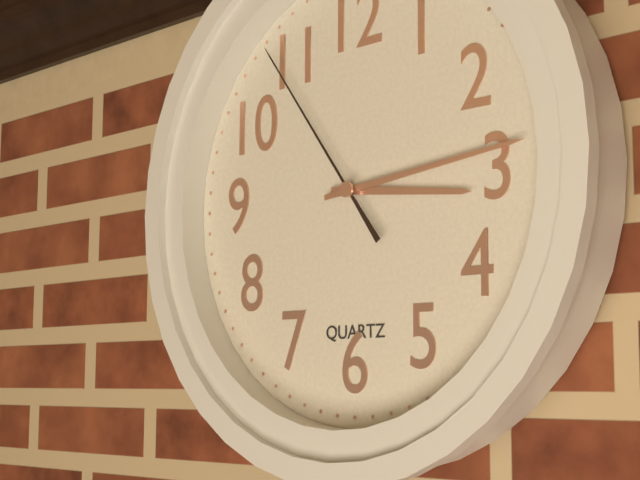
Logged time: 3,14,54
